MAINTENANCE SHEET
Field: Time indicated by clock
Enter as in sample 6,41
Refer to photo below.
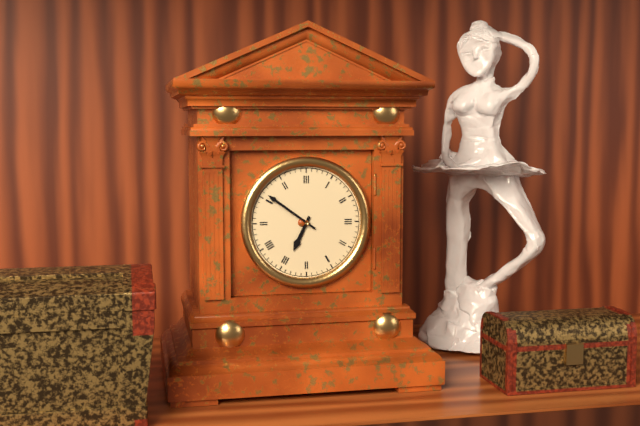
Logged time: 6,51
